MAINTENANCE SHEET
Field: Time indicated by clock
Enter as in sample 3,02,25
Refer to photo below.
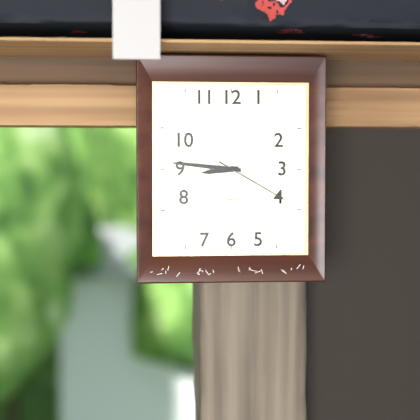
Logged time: 8,46,20
